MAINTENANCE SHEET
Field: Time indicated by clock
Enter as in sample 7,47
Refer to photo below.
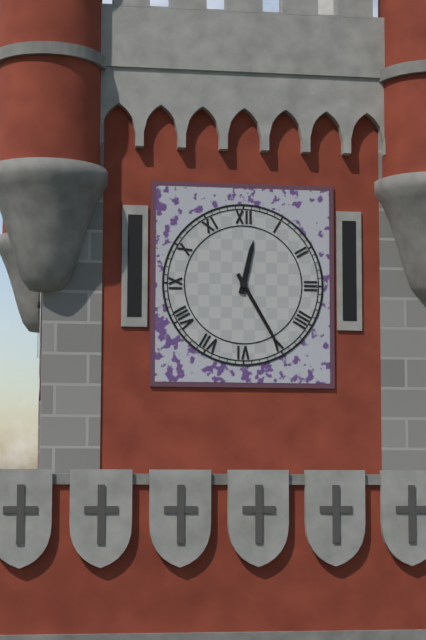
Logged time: 12,25
